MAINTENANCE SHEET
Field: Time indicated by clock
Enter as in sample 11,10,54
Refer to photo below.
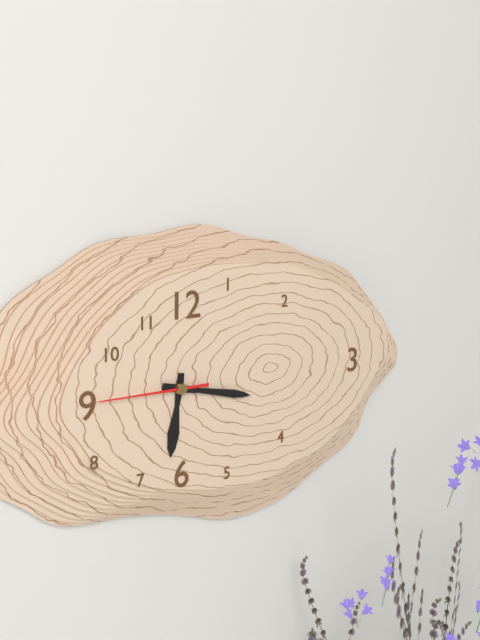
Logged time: 6,17,45
